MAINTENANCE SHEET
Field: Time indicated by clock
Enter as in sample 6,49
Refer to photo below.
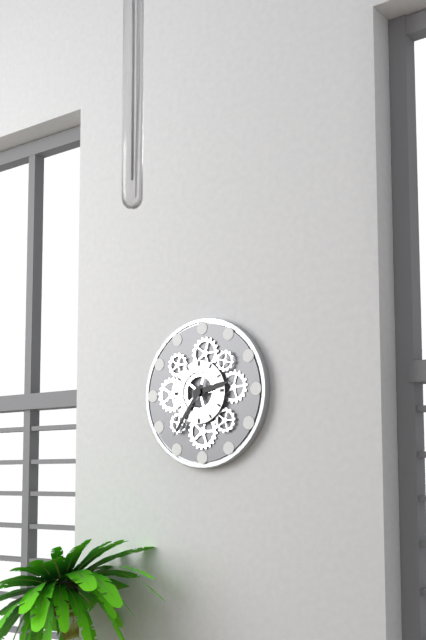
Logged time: 2,36
